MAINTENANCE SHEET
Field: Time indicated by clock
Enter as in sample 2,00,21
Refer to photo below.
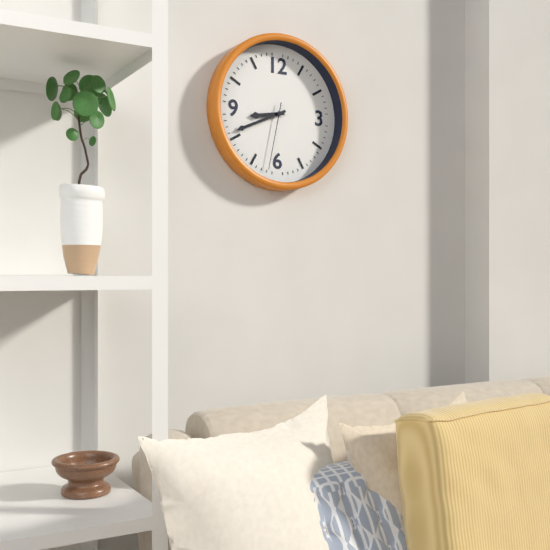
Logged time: 8,41,32
